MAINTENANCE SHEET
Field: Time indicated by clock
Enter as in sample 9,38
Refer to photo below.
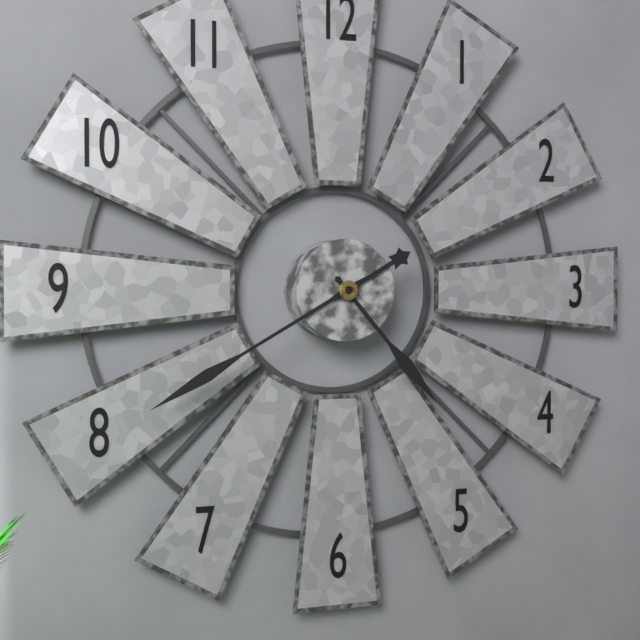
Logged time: 4,40
